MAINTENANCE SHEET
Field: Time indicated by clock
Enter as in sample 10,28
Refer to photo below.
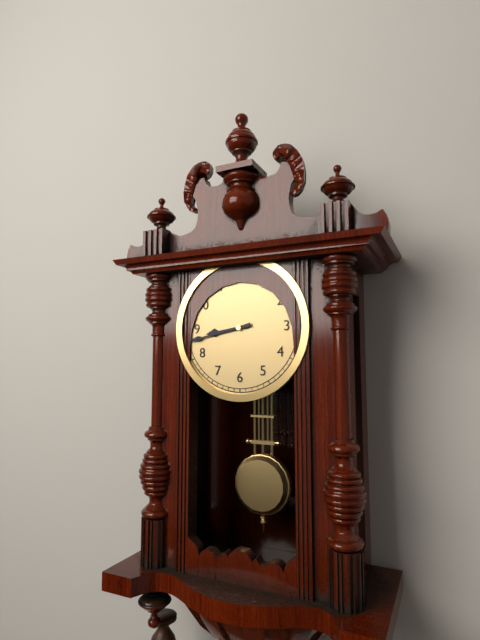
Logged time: 8,43
